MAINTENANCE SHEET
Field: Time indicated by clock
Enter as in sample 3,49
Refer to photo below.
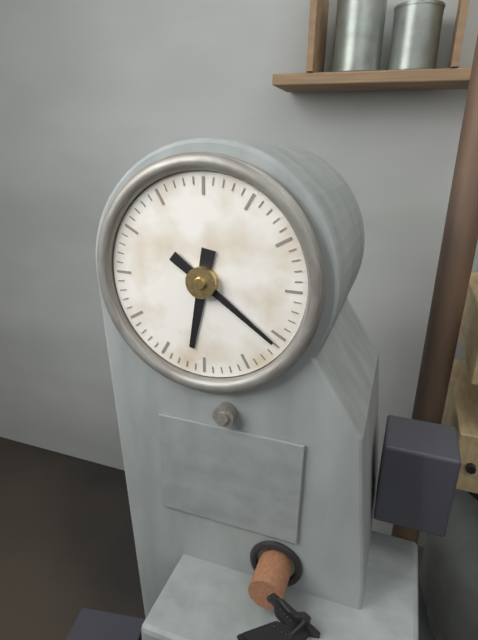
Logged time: 6,21
